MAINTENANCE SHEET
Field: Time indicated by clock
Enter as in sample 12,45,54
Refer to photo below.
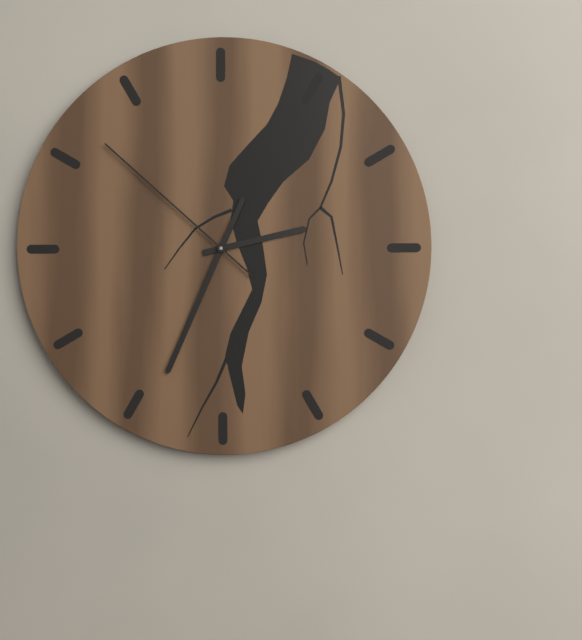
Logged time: 2,34,52
